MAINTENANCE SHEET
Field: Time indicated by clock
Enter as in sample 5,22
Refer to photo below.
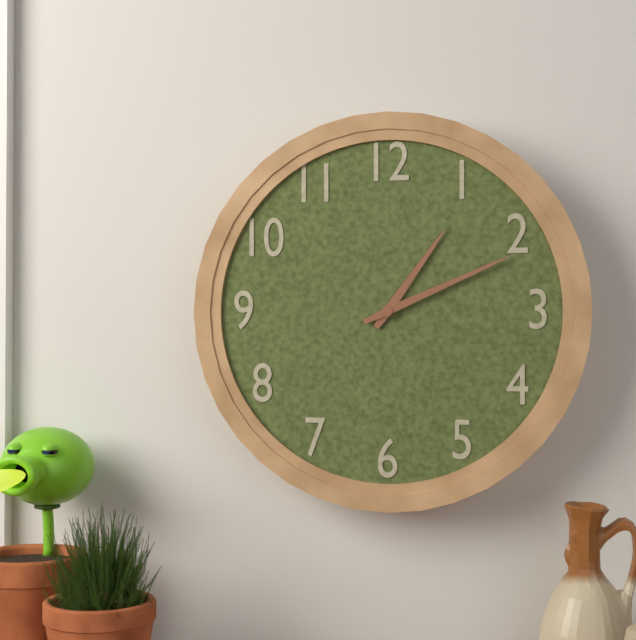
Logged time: 1,11
